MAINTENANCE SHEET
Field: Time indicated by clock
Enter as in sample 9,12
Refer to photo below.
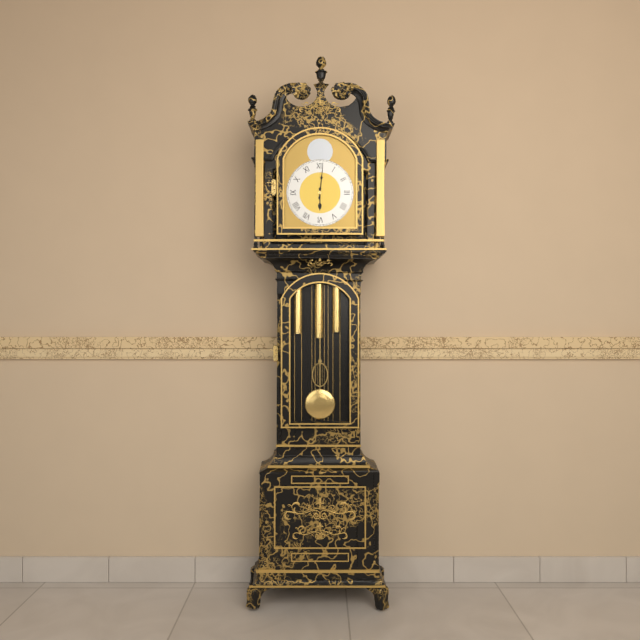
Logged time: 6,01
